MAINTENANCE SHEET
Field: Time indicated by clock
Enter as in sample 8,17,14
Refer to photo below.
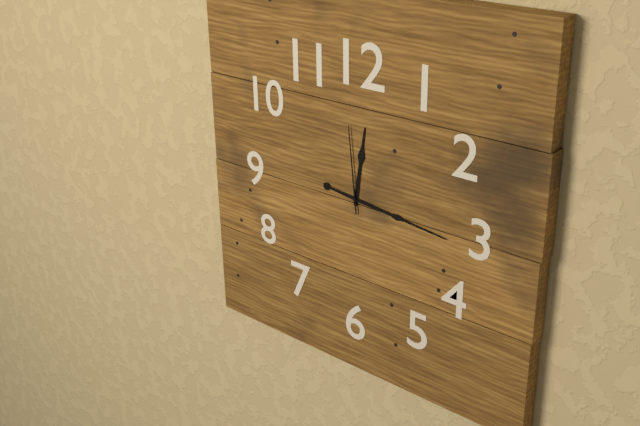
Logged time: 12,16,59
